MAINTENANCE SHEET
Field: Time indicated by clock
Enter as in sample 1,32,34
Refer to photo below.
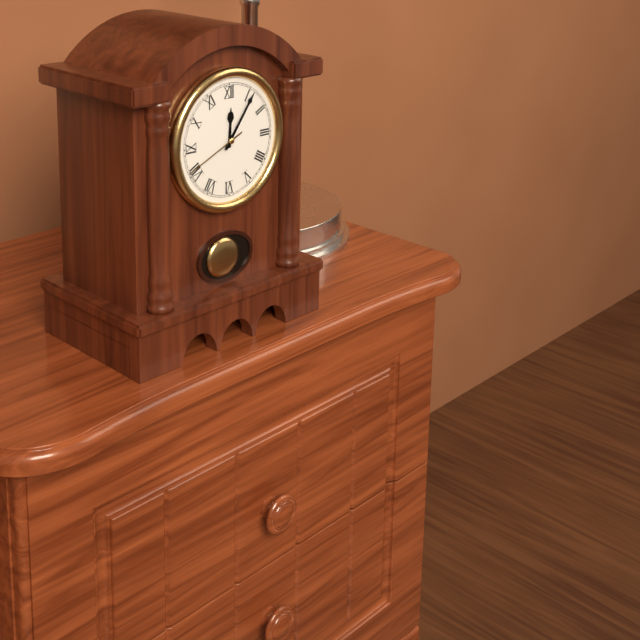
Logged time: 12,06,41
